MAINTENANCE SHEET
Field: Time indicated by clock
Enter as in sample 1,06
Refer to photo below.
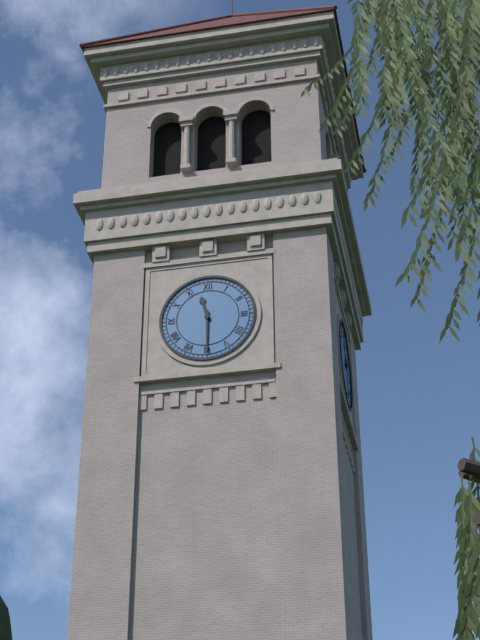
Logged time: 11,30
